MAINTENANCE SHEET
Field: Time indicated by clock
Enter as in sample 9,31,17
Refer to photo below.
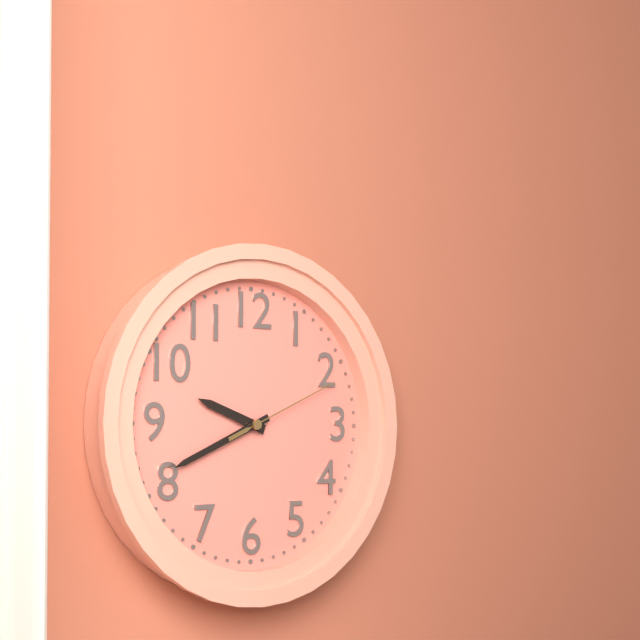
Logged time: 9,41,11
